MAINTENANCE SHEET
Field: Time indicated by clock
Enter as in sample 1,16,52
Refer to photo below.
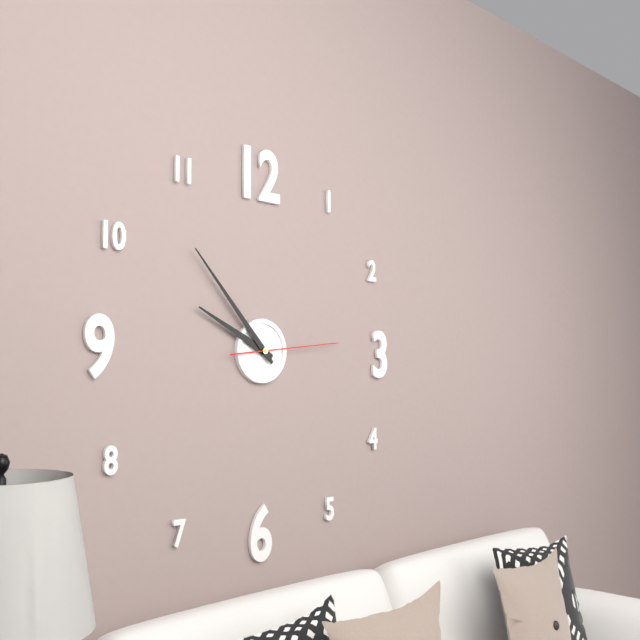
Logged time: 9,53,14
